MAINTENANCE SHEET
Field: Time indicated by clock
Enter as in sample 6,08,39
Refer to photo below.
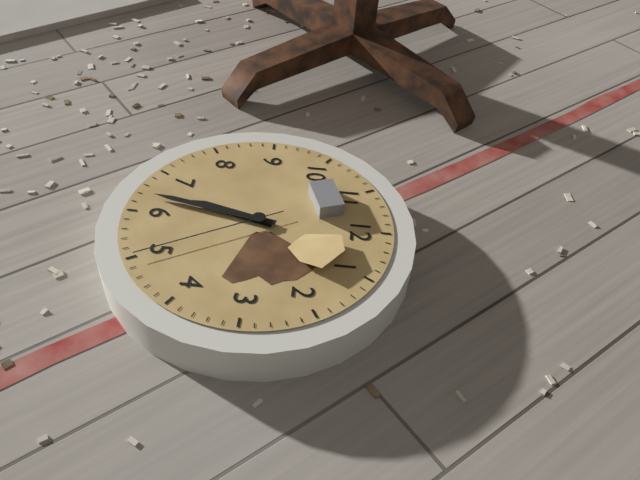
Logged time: 6,32,25
